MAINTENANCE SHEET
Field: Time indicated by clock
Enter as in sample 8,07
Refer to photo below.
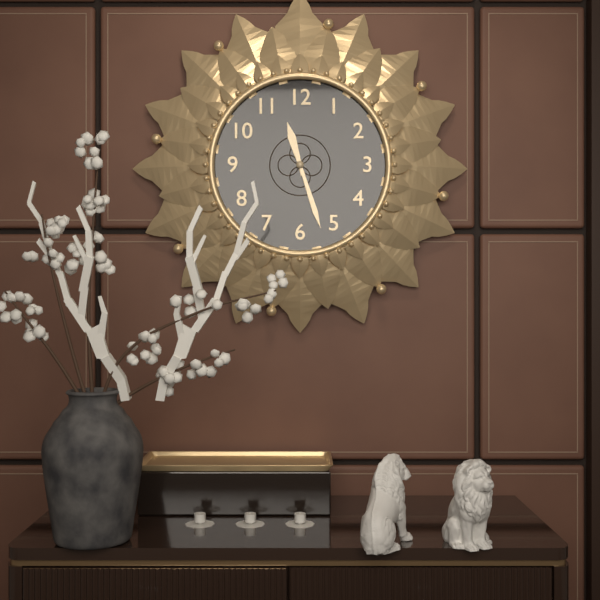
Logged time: 11,27
